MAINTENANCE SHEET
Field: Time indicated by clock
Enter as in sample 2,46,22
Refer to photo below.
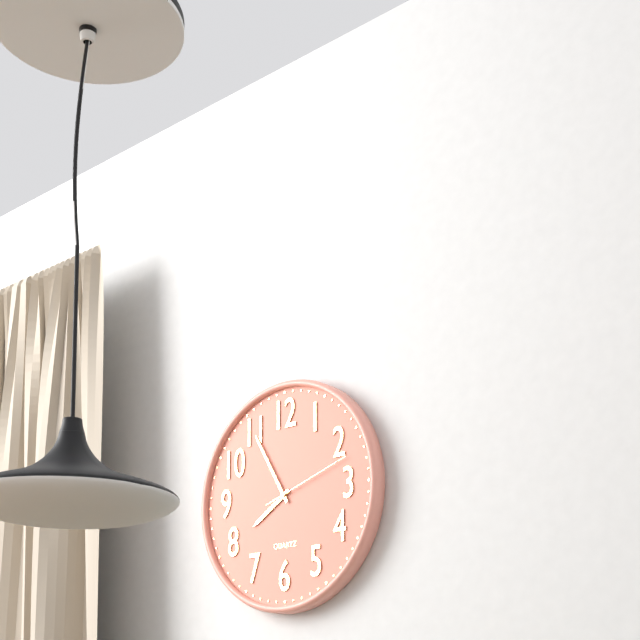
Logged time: 7,55,12
